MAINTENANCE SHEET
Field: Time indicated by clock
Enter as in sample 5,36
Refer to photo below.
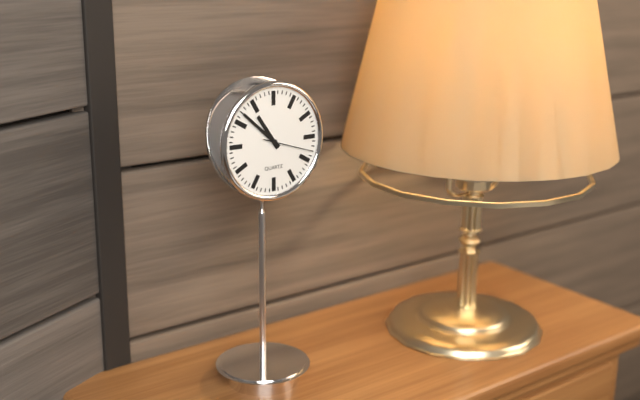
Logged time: 10,52
